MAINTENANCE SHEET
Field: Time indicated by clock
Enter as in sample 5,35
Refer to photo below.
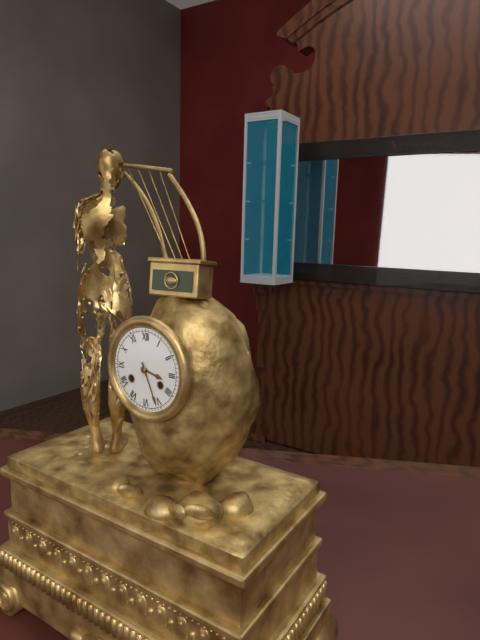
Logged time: 3,26
